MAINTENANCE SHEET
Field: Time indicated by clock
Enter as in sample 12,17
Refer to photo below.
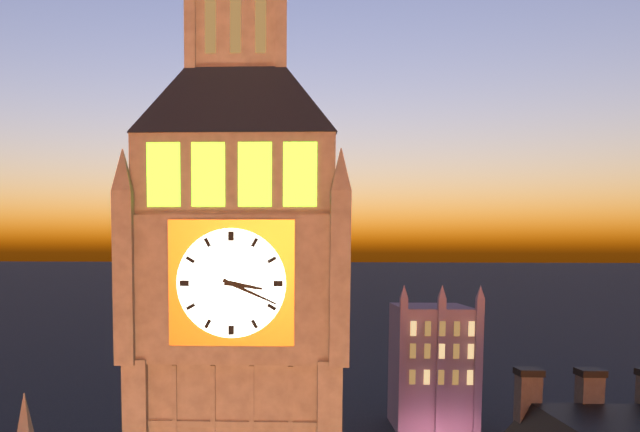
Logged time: 3,19
